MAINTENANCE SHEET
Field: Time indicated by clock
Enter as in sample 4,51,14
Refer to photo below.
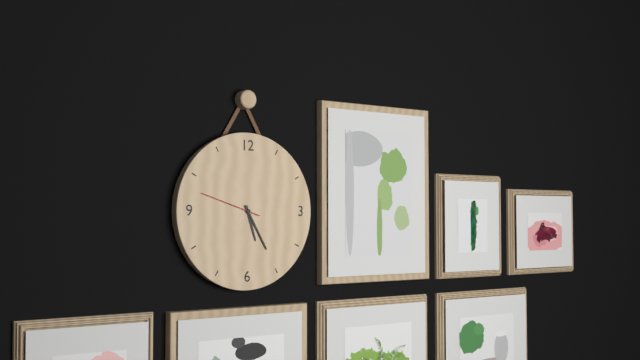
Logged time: 5,25,48
